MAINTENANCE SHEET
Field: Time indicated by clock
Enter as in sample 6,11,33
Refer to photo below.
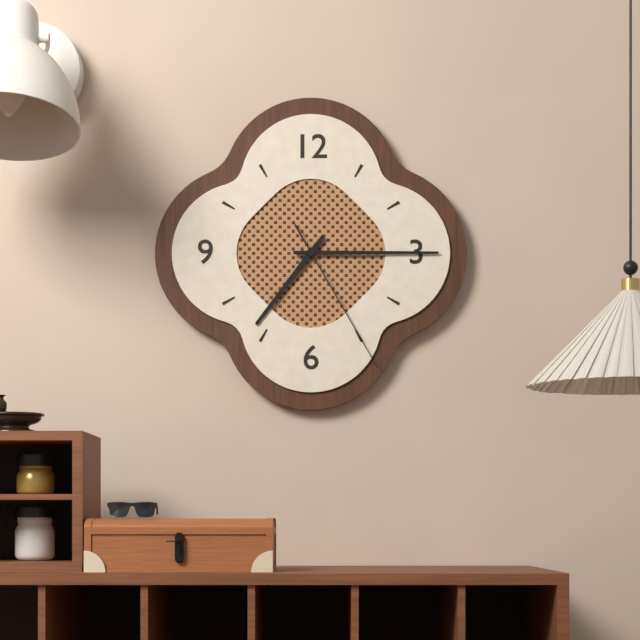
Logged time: 7,15,25
